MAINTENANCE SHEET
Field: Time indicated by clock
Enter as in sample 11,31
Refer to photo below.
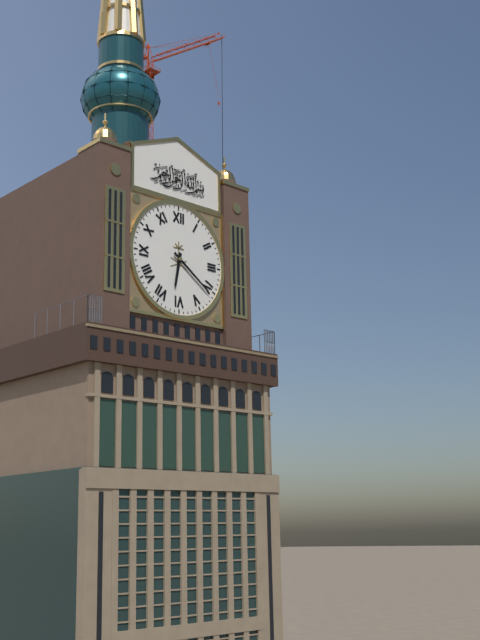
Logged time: 6,21
